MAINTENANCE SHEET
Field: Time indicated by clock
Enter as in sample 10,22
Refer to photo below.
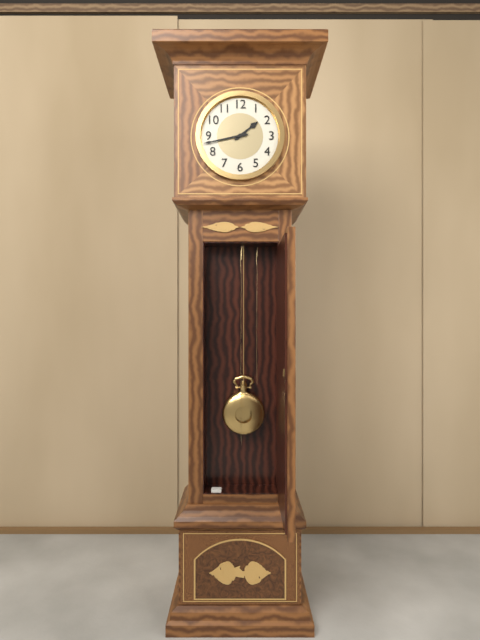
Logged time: 1,43
